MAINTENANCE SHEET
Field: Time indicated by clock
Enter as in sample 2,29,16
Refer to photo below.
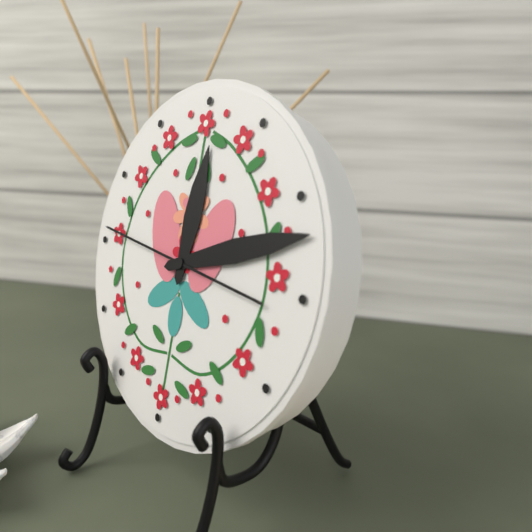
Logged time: 12,12,46
